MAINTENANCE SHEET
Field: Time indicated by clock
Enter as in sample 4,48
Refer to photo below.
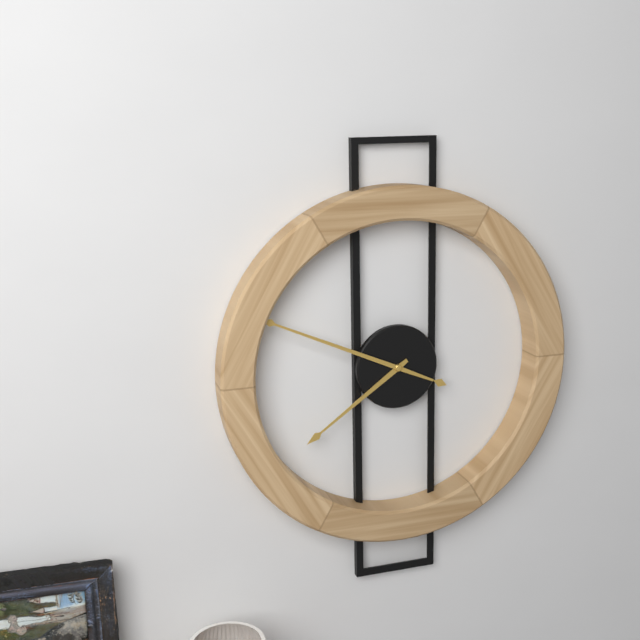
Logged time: 7,49
